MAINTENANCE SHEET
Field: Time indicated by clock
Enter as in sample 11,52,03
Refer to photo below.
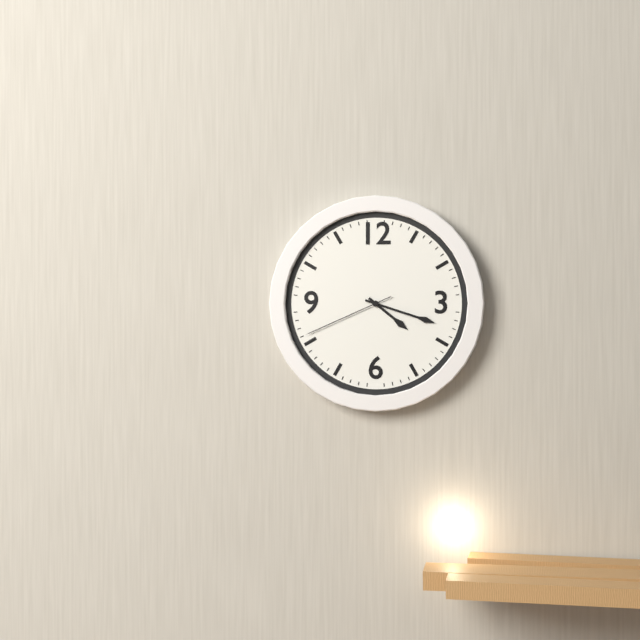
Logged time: 4,18,41
